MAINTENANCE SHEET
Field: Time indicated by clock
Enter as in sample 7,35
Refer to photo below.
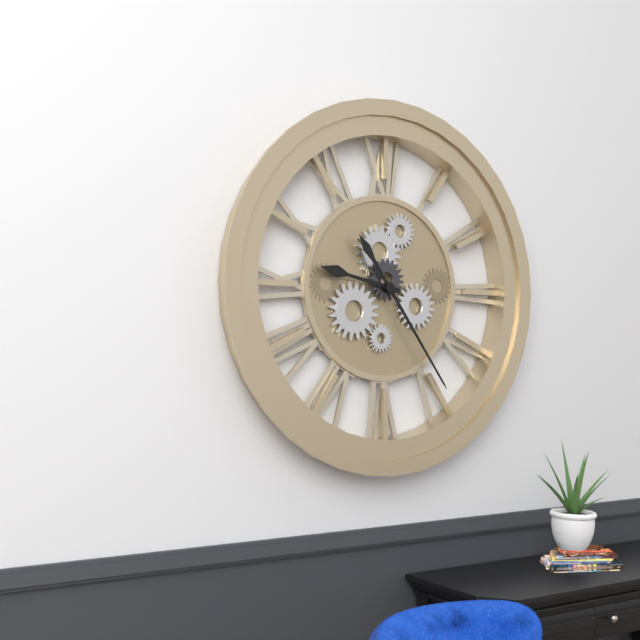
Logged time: 9,24
